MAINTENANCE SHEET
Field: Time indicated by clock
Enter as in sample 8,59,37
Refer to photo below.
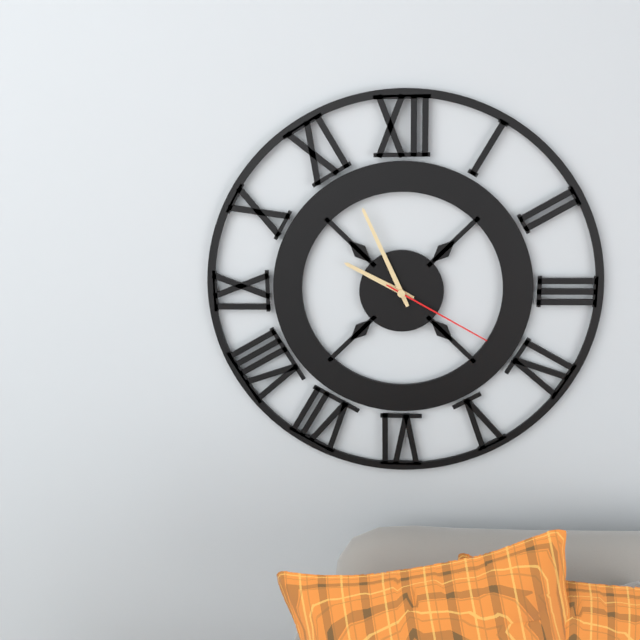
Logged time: 9,56,20
